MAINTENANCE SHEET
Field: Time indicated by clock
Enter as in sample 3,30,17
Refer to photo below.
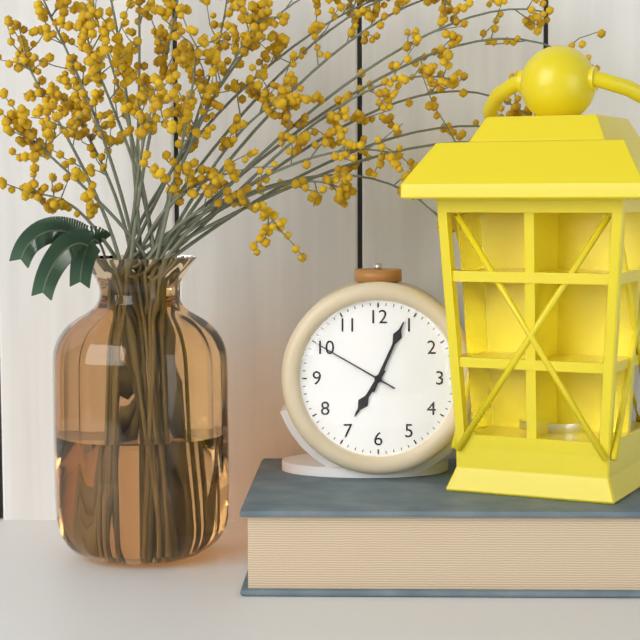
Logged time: 7,04,50
